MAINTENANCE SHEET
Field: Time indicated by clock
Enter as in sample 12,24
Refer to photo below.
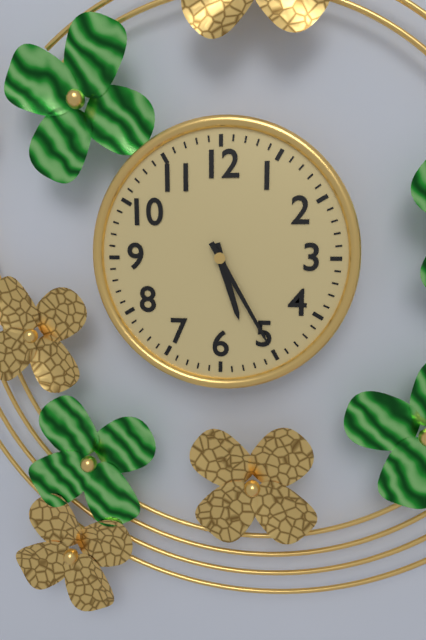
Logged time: 5,25
